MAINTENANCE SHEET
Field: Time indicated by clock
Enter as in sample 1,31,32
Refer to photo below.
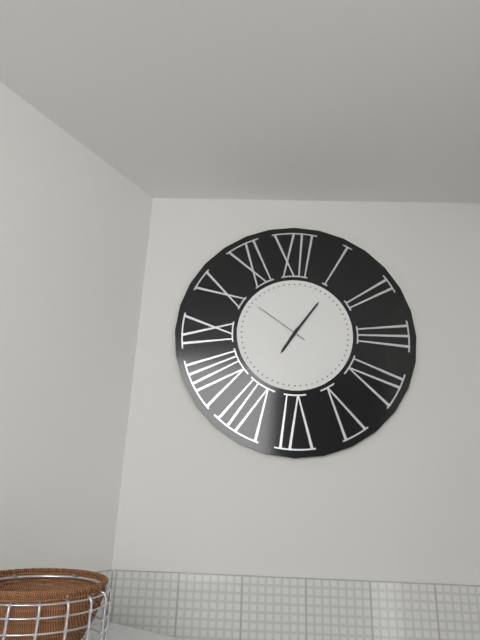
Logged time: 7,06,51
